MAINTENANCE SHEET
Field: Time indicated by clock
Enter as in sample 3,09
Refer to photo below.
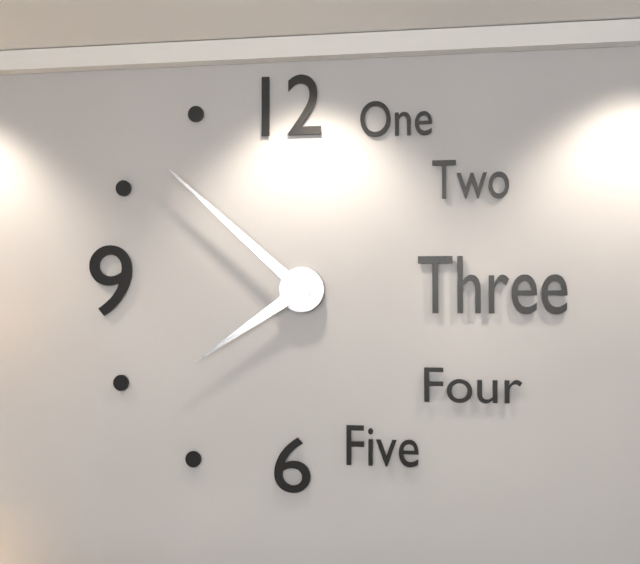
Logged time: 7,52
